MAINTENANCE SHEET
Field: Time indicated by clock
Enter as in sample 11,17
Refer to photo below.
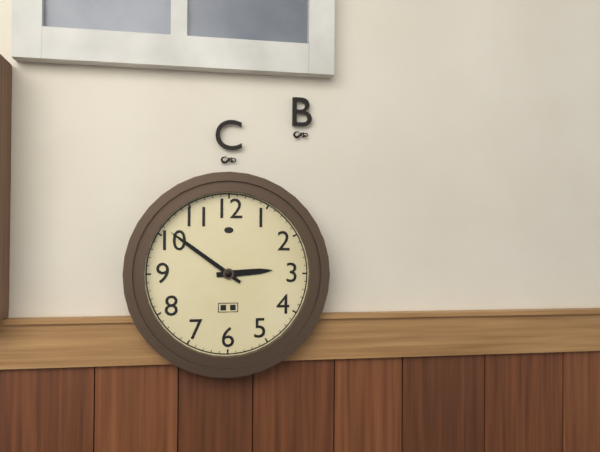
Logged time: 2,51
